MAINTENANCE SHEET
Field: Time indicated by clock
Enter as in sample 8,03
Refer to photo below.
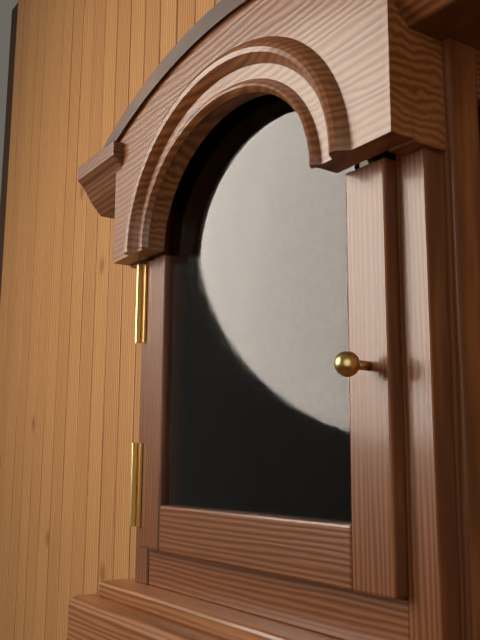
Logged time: 7,17
